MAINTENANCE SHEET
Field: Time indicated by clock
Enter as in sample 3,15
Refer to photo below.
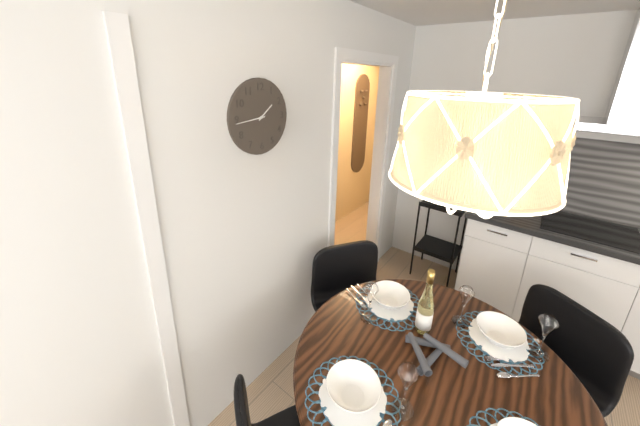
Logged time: 1,44
